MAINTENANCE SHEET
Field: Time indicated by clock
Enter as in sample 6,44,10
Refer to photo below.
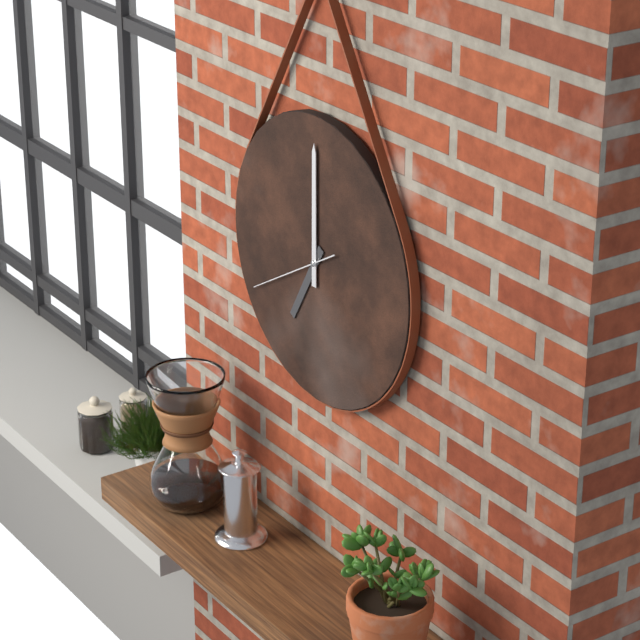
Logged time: 7,00,40
